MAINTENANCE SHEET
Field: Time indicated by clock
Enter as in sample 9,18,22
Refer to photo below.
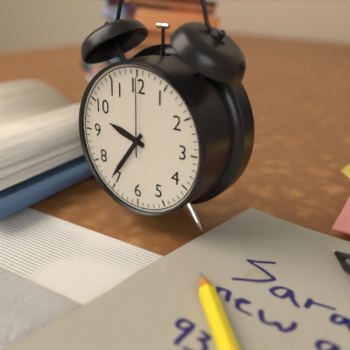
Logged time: 9,36,00
